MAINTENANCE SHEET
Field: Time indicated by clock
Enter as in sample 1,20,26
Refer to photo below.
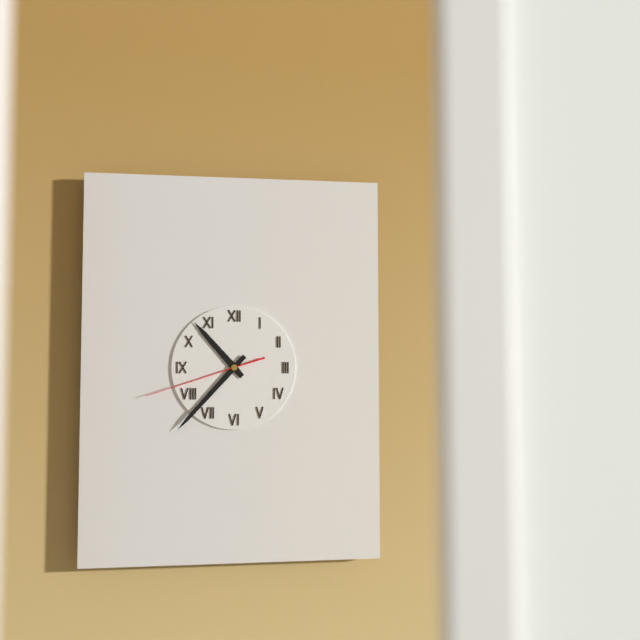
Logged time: 10,37,42
